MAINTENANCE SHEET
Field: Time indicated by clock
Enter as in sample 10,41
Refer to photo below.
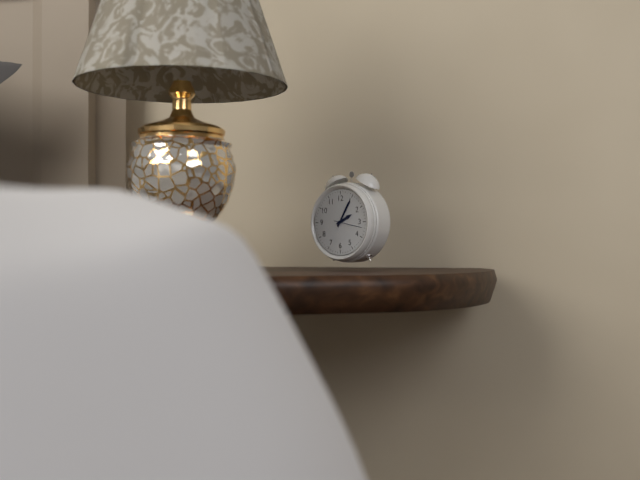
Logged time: 2,05
